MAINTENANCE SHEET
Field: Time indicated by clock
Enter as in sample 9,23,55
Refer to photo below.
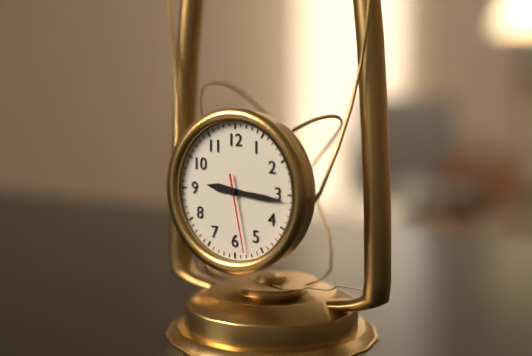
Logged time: 9,16,28
